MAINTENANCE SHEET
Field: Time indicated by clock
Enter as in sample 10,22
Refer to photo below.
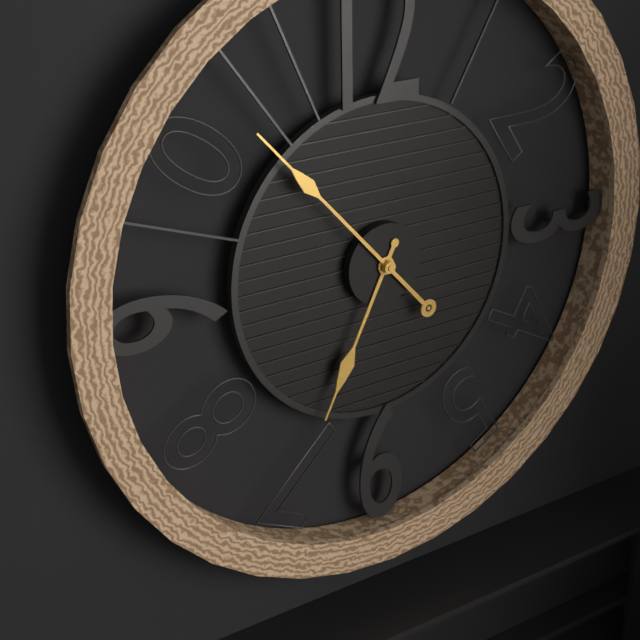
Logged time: 6,53
